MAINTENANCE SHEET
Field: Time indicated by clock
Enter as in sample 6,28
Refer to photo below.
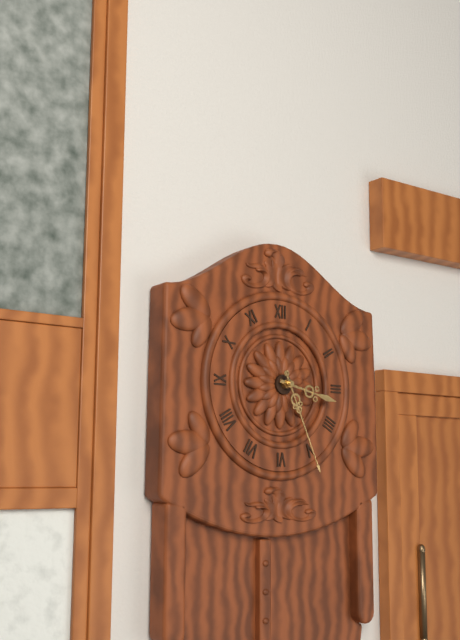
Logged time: 3,26
